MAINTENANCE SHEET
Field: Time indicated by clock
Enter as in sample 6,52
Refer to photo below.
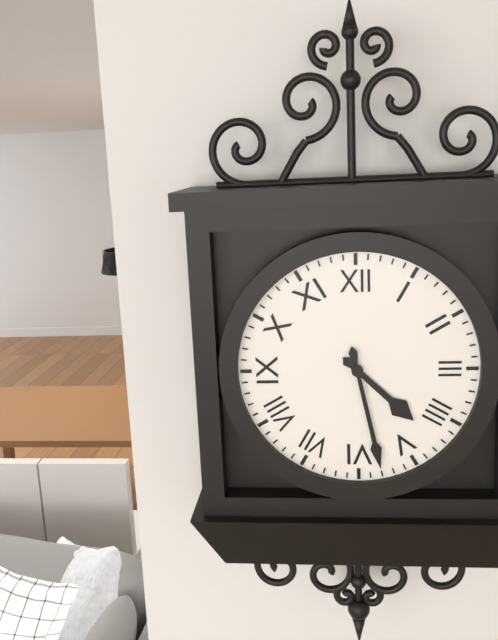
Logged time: 4,28
